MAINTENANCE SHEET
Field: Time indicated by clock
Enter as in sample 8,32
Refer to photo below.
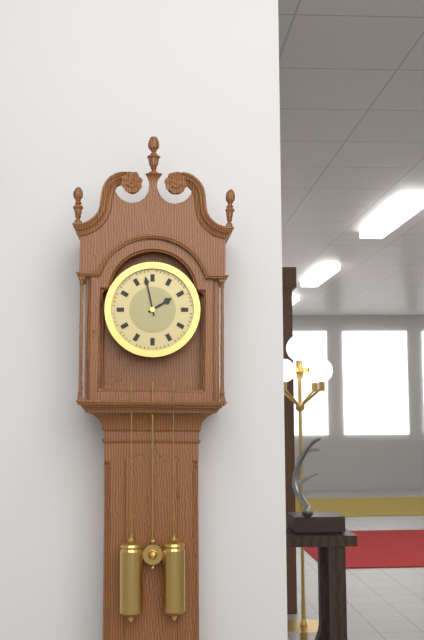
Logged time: 1,58
